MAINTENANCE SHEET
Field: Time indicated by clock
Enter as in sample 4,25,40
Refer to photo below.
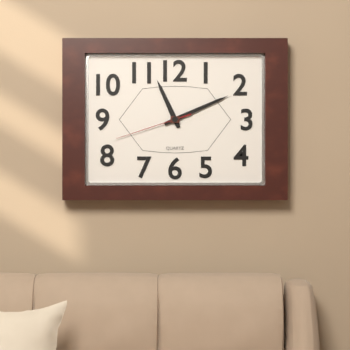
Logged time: 11,11,42
